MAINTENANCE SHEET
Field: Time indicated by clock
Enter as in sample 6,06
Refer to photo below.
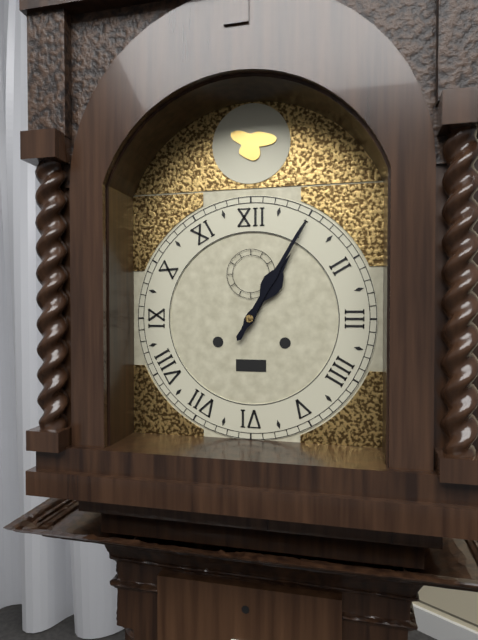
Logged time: 1,05
